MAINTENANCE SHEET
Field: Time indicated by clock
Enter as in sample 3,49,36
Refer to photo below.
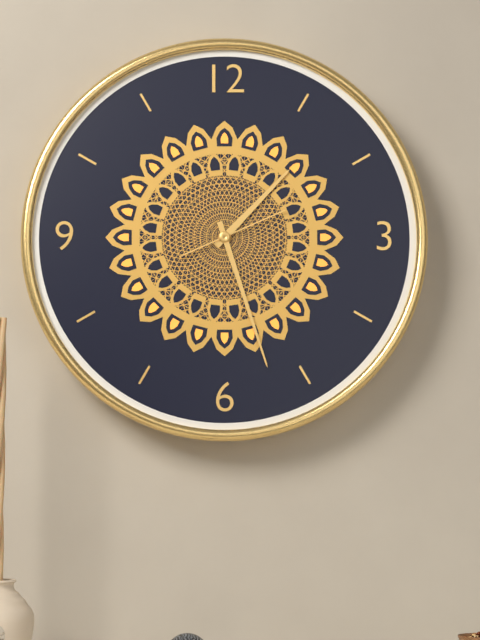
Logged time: 1,27,11
